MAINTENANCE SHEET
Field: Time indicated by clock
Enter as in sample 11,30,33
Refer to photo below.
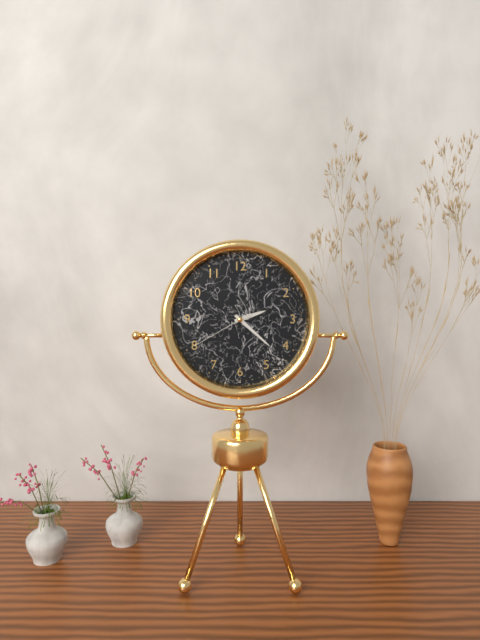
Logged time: 2,22,40
